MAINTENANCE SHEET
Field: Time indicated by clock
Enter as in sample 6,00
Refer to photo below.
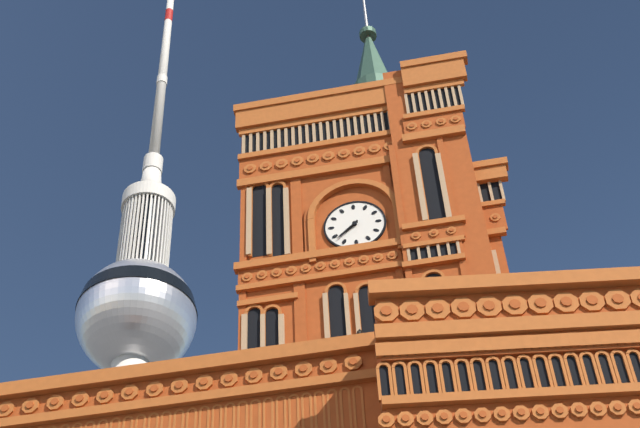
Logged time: 7,38
